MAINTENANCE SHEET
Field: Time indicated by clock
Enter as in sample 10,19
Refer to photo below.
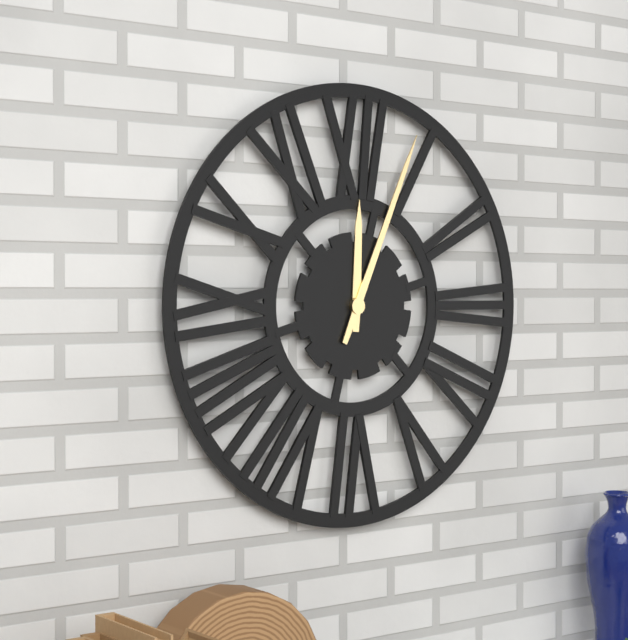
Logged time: 12,04
